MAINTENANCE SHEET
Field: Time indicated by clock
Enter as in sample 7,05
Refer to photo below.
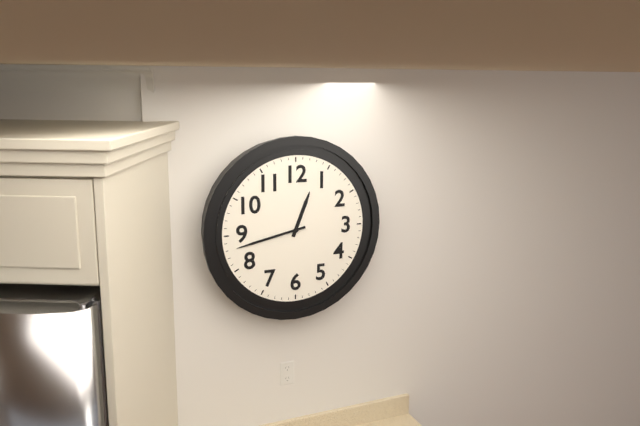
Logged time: 12,43
